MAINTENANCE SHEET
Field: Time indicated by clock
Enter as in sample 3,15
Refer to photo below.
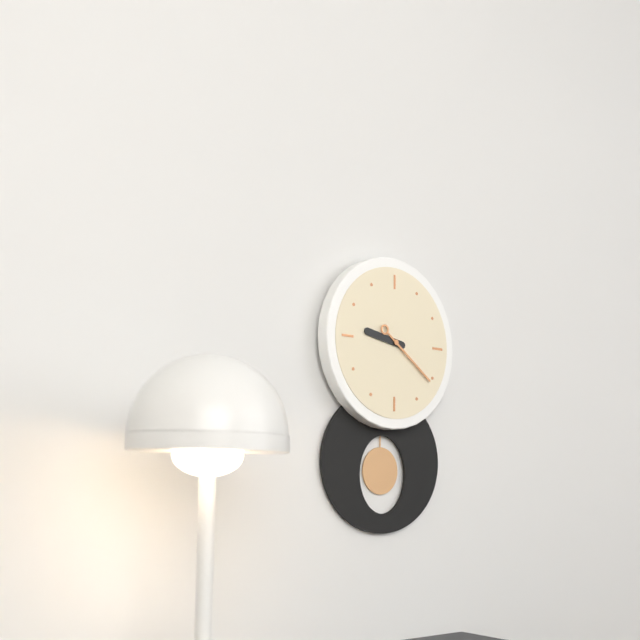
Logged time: 9,21
